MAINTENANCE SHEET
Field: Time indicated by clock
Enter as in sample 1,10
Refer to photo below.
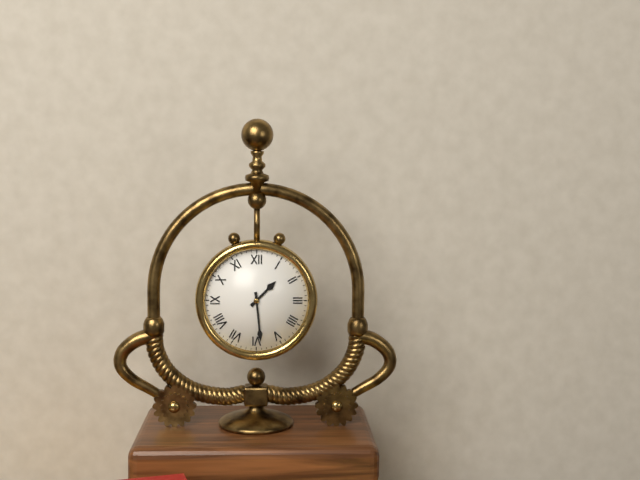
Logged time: 1,29
